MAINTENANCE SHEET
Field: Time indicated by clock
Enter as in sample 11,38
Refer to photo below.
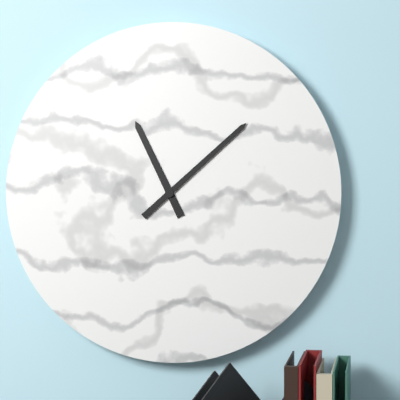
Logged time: 11,08
